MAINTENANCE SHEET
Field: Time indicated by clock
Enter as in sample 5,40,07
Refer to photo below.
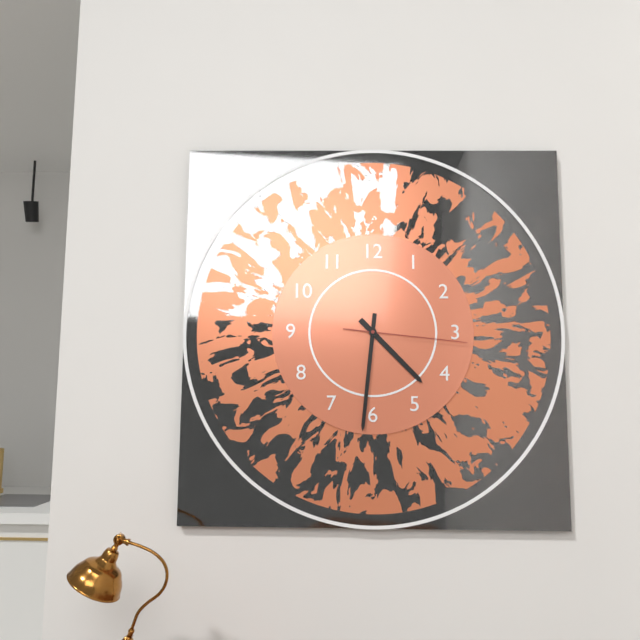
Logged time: 4,31,16
